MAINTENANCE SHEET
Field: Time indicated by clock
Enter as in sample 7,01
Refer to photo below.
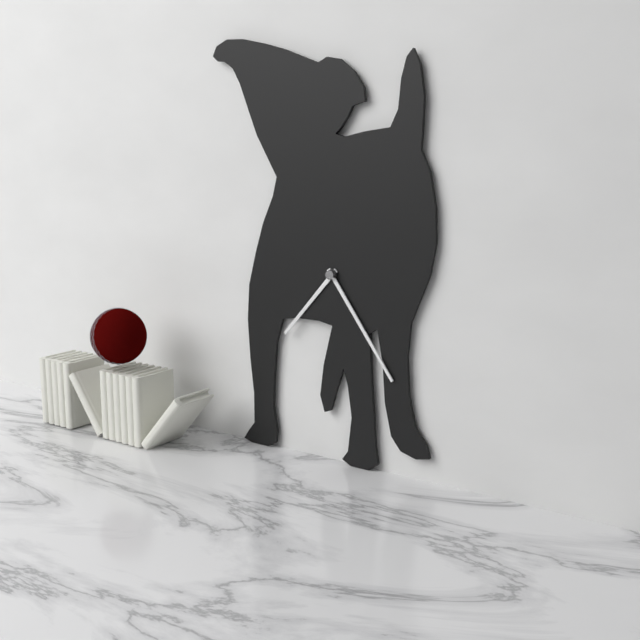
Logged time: 7,24
